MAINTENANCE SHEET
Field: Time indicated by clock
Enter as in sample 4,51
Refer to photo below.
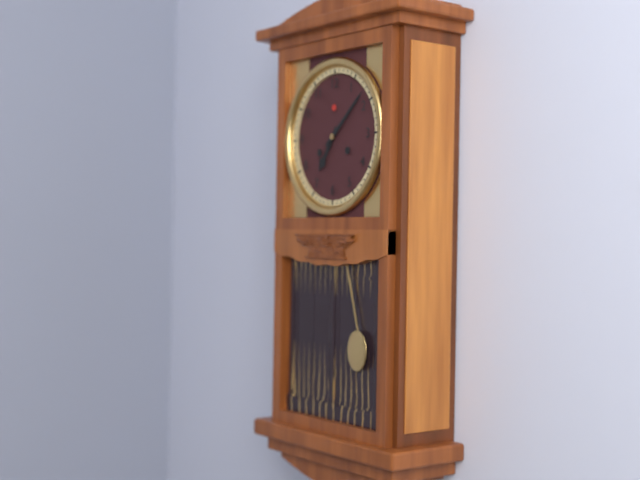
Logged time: 7,08
